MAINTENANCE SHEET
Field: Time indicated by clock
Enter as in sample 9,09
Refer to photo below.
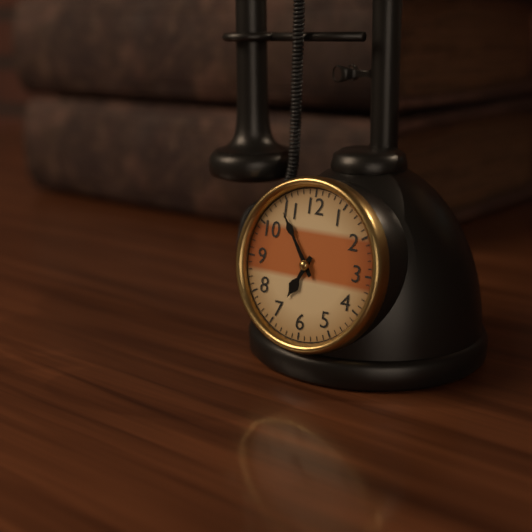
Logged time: 6,54
